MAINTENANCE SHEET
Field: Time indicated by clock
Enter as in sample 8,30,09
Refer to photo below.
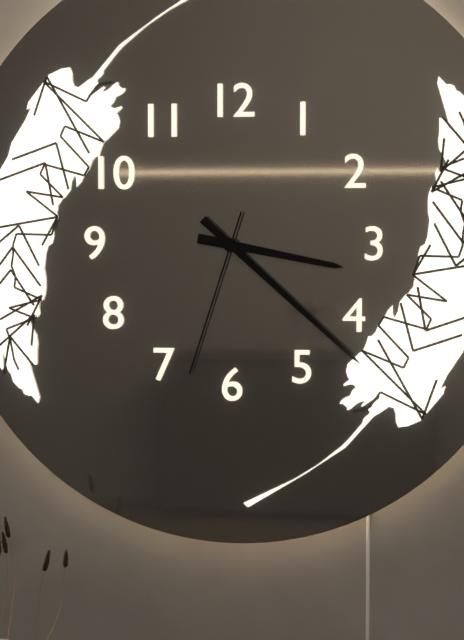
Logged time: 3,22,33
